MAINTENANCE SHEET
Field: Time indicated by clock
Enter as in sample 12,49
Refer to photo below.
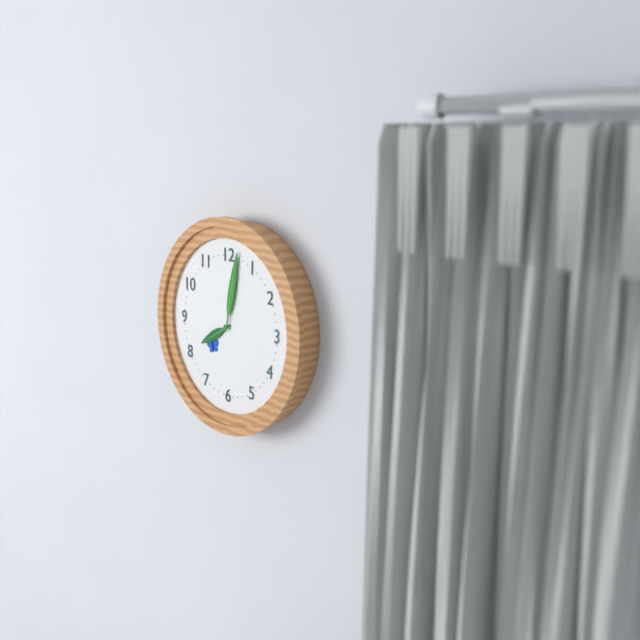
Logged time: 8,02
